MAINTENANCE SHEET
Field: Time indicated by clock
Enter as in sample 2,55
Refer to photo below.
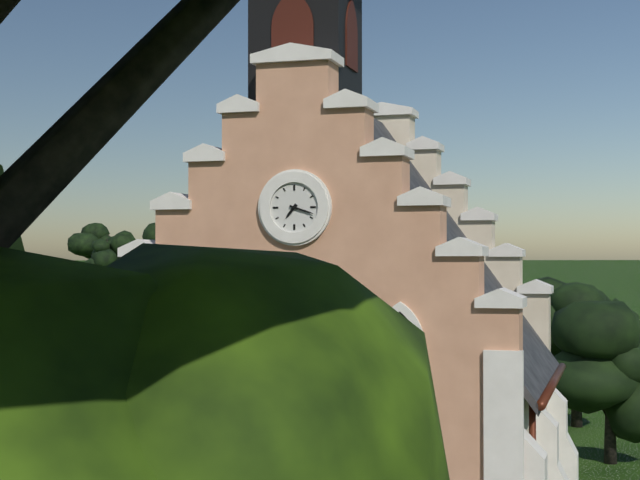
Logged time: 7,18
